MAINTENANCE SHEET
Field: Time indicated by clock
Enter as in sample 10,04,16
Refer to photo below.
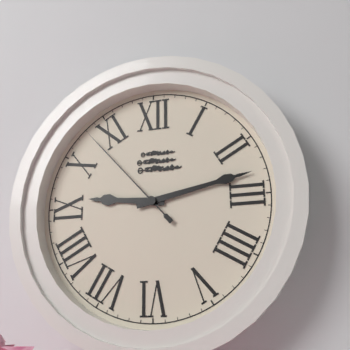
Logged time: 9,13,53
